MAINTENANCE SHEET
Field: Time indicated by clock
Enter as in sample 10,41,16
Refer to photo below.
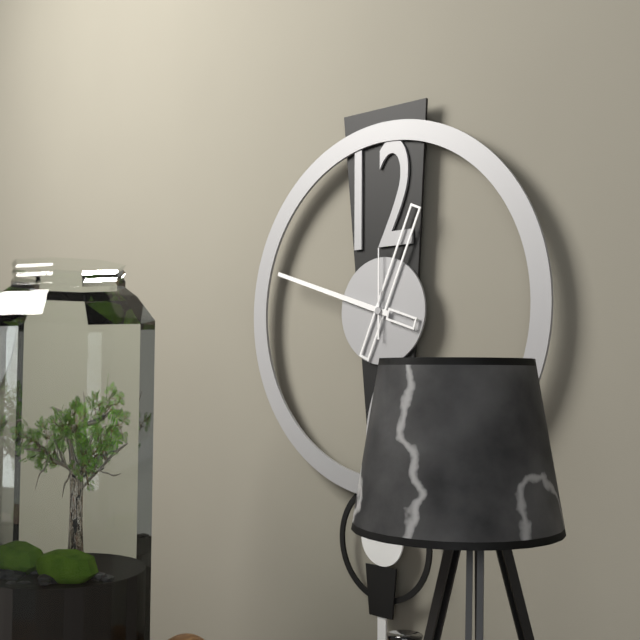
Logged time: 12,48,00
